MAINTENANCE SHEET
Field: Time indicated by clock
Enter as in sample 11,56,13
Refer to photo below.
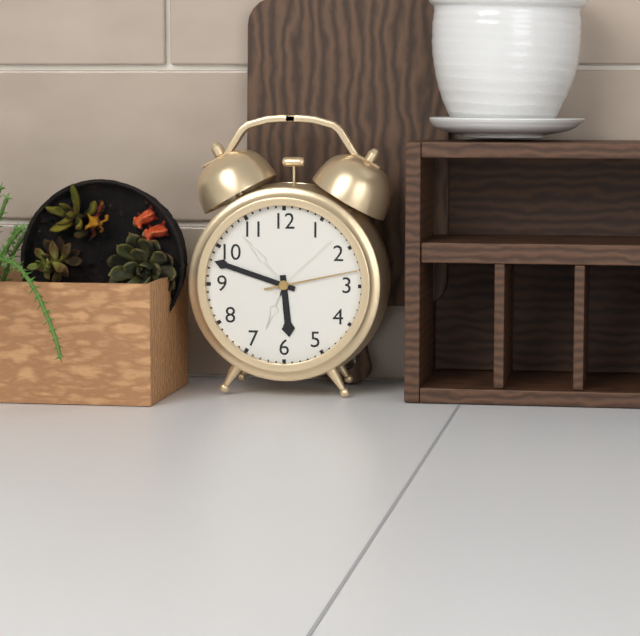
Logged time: 5,48,13
